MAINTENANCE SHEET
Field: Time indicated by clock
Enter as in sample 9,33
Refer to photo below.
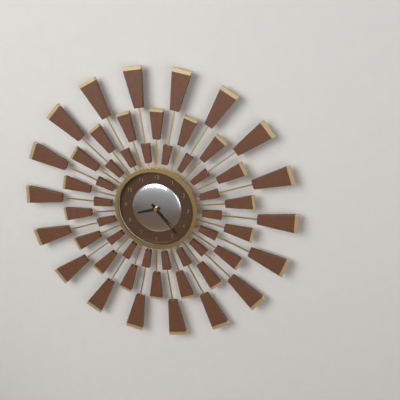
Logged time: 8,23
